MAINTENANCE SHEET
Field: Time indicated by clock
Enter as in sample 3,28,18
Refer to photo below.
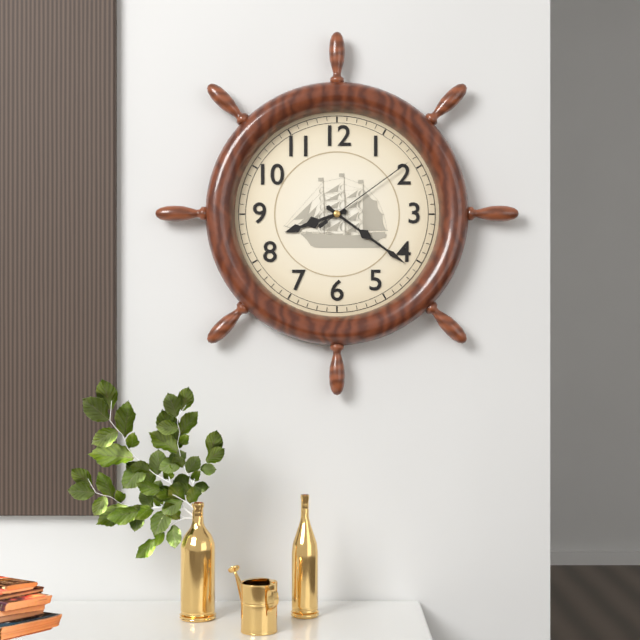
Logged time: 8,21,09
